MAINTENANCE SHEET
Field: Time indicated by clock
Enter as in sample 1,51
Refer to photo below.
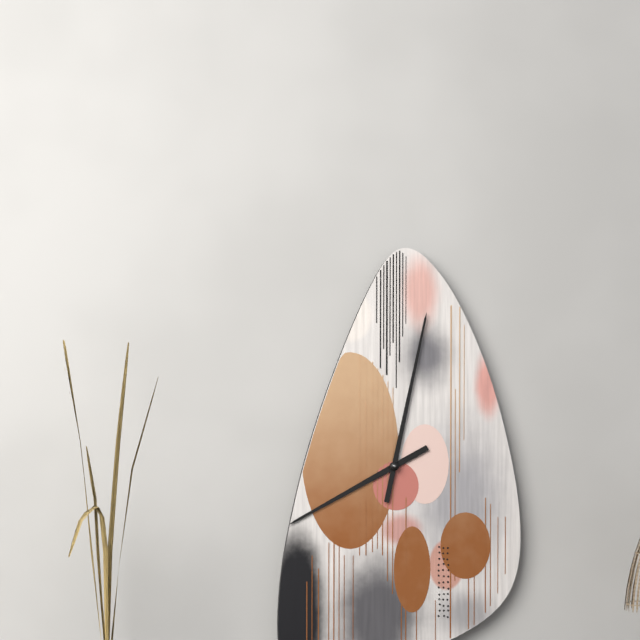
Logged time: 8,02
